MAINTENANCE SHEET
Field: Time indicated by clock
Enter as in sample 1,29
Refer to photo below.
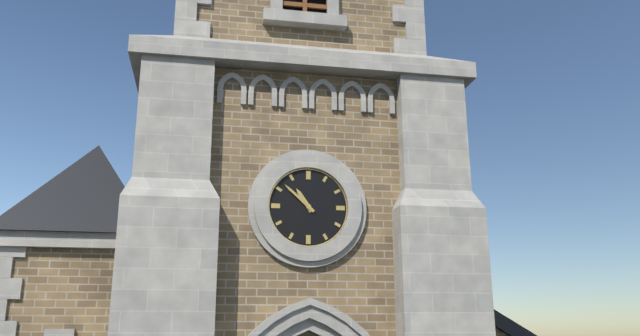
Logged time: 10,52
